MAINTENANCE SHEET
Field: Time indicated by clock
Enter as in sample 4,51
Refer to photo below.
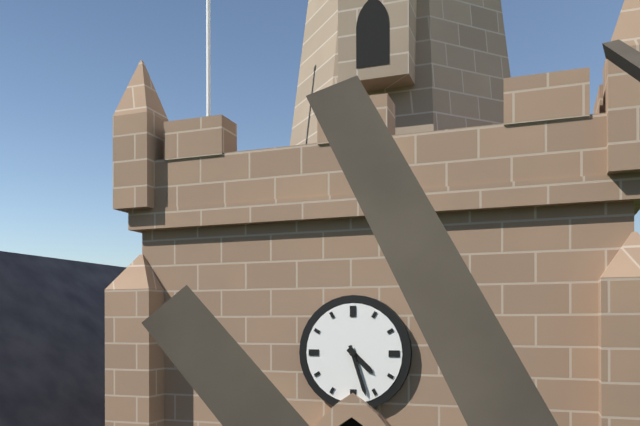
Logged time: 4,27
